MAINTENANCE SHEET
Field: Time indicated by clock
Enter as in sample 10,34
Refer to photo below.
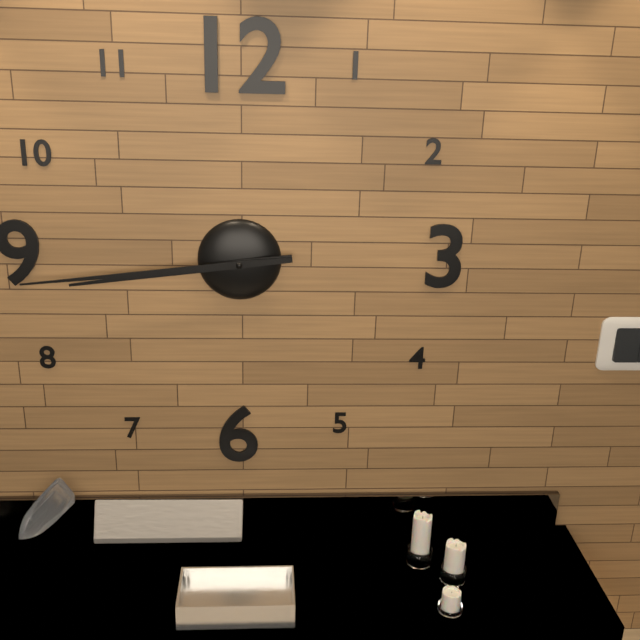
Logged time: 8,44
